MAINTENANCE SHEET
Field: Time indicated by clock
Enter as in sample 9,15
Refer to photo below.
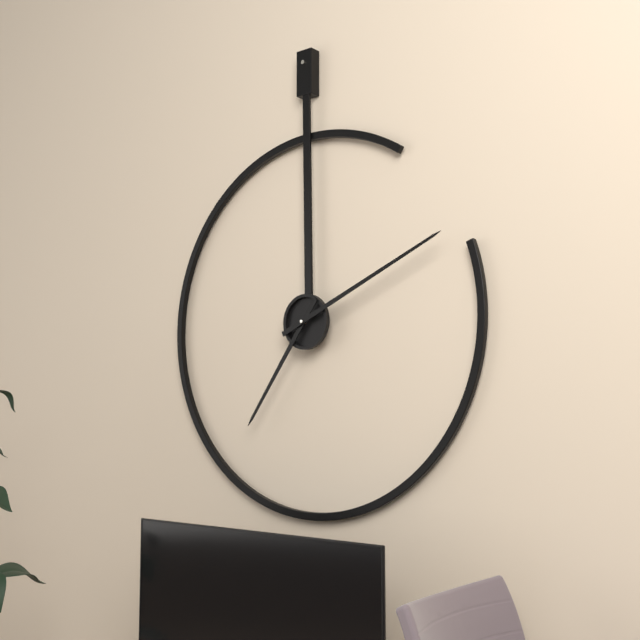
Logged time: 7,11
